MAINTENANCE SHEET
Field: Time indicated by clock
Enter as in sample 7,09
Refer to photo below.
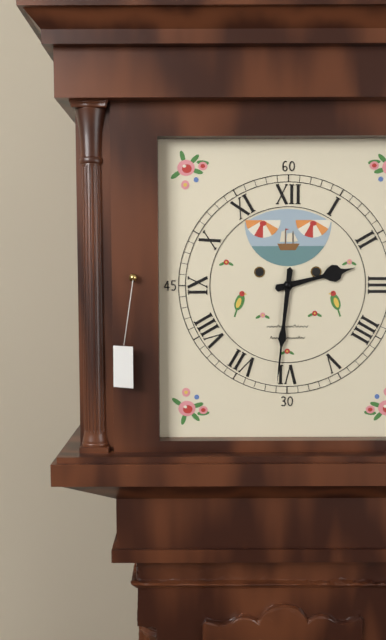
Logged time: 2,31
